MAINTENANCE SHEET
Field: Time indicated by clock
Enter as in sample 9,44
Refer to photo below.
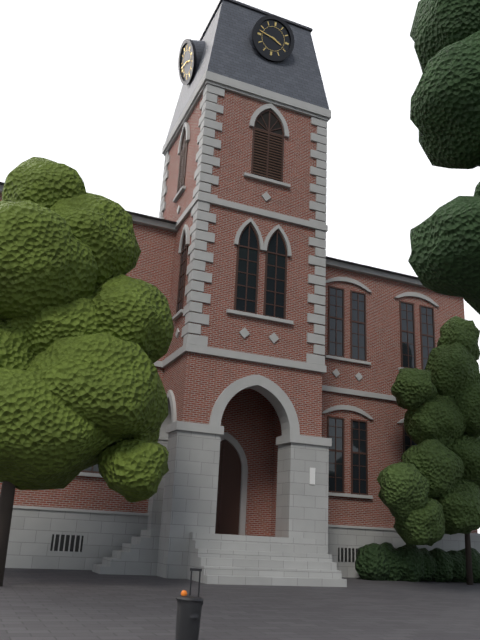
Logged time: 3,47
